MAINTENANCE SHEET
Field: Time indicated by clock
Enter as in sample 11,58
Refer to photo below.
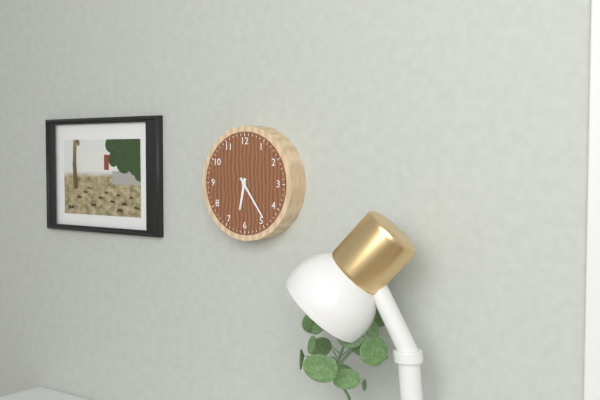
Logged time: 6,24
